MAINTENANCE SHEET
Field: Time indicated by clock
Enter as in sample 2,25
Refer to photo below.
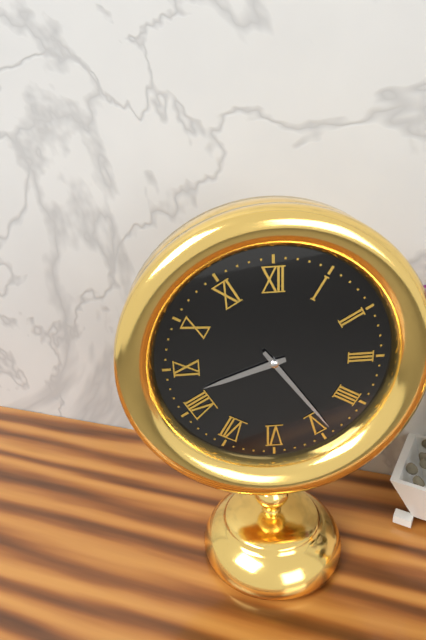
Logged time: 8,24
